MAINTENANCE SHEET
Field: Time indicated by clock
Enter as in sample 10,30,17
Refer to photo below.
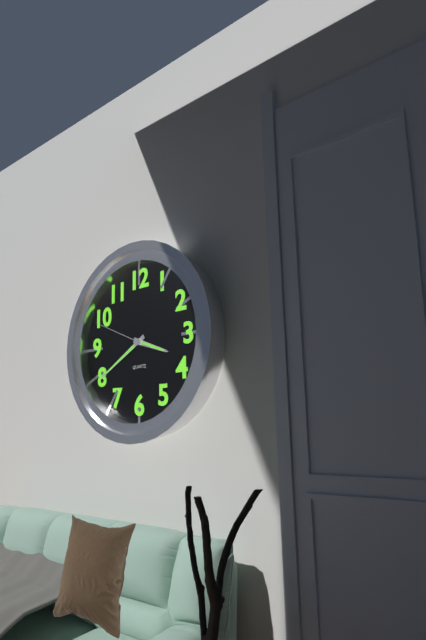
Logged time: 3,40,49
